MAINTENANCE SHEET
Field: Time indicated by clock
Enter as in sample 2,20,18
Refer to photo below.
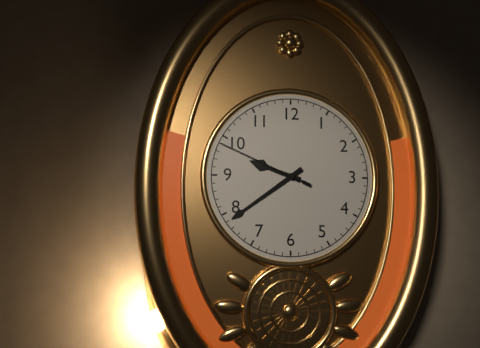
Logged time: 9,39,49
